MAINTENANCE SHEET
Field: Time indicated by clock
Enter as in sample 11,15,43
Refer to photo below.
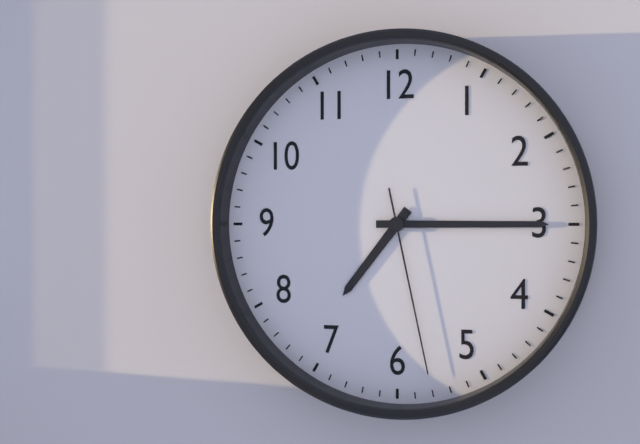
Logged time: 7,15,28
